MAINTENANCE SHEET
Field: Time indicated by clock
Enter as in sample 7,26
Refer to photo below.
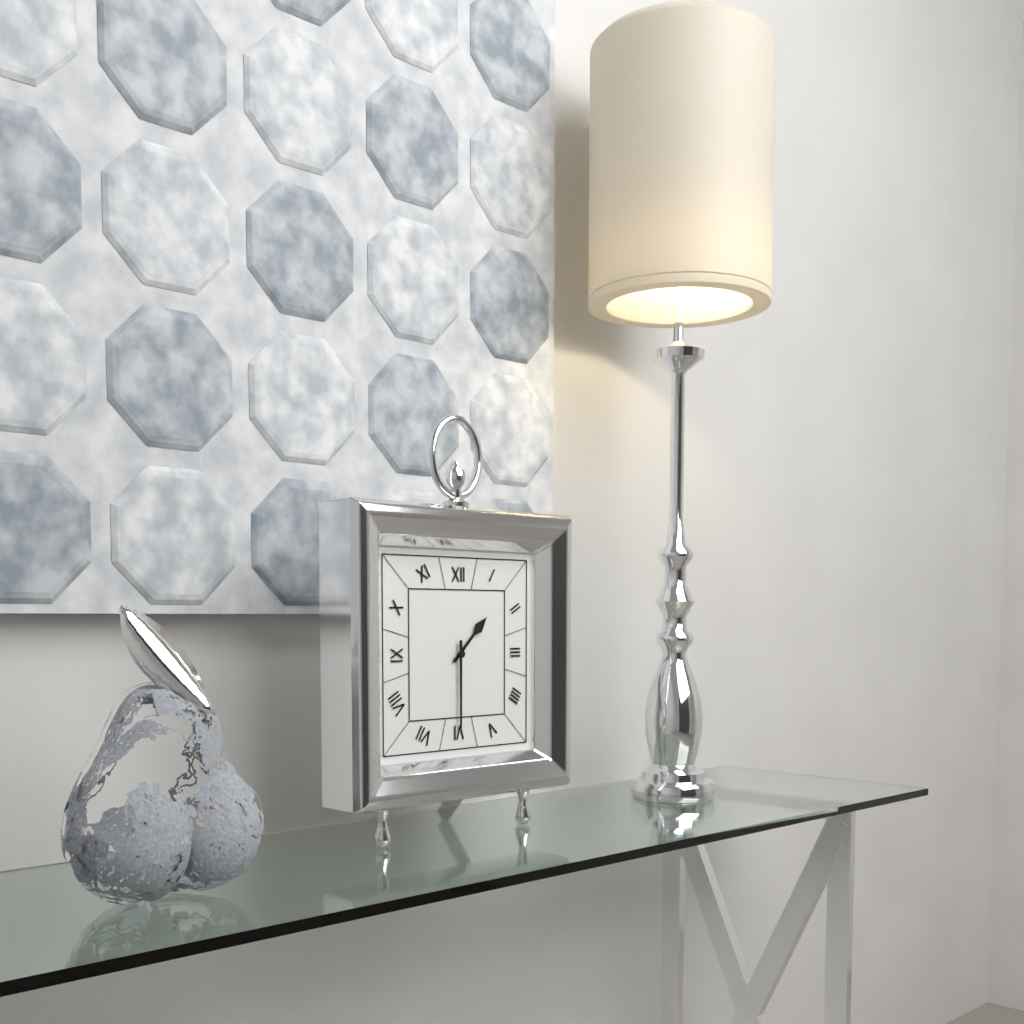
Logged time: 1,30
